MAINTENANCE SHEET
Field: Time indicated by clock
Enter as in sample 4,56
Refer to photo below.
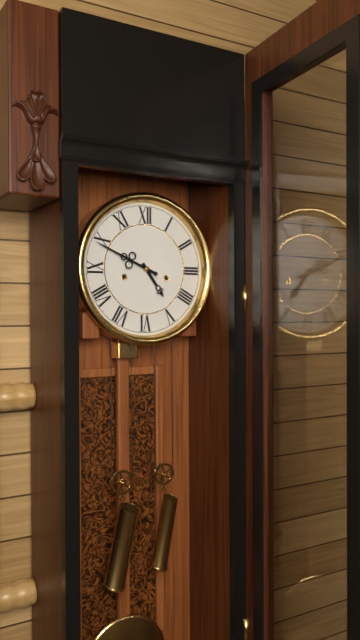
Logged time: 4,49
